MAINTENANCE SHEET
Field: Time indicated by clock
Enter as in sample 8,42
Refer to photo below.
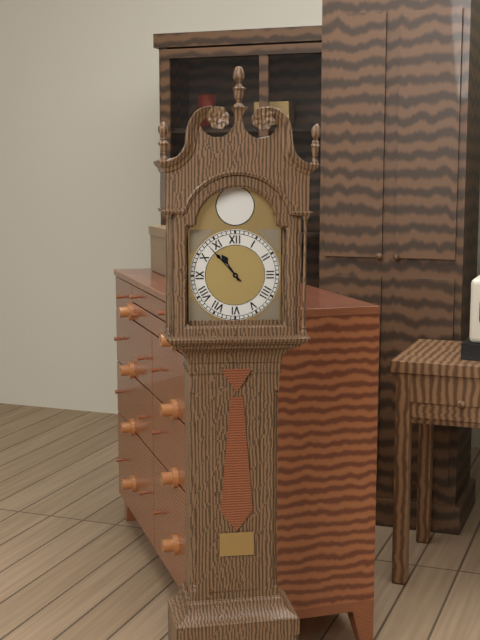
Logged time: 10,53
